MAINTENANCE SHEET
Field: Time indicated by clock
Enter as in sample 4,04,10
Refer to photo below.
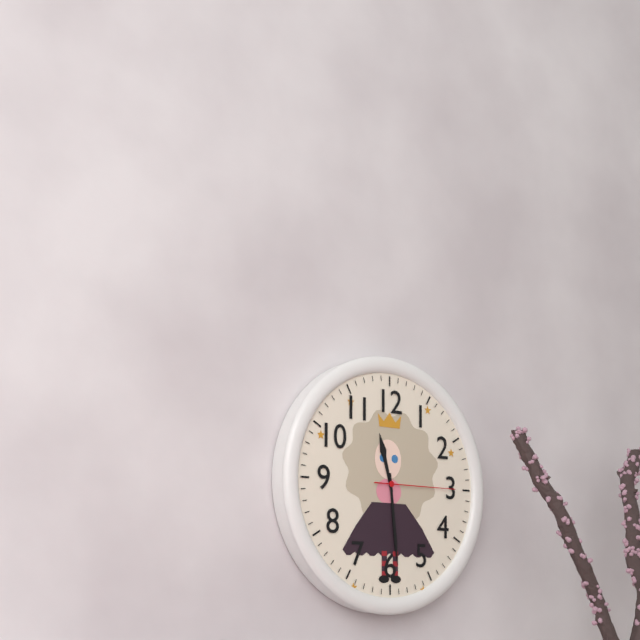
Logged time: 11,29,15
